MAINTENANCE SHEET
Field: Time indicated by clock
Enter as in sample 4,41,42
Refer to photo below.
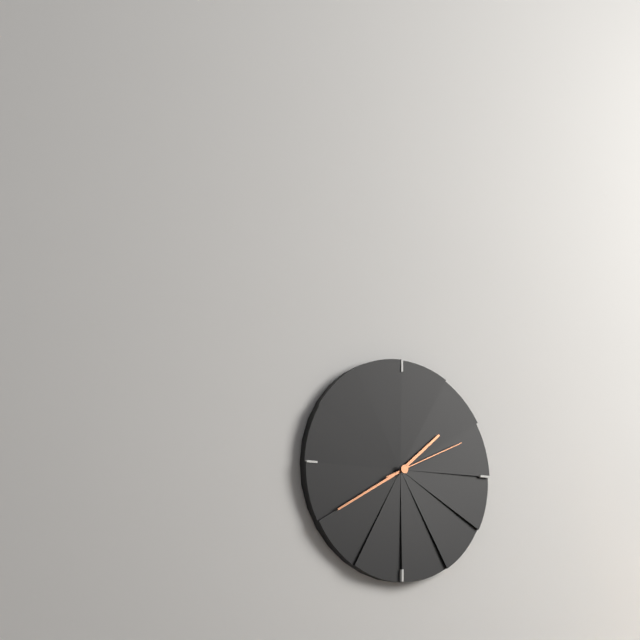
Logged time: 1,40,11
